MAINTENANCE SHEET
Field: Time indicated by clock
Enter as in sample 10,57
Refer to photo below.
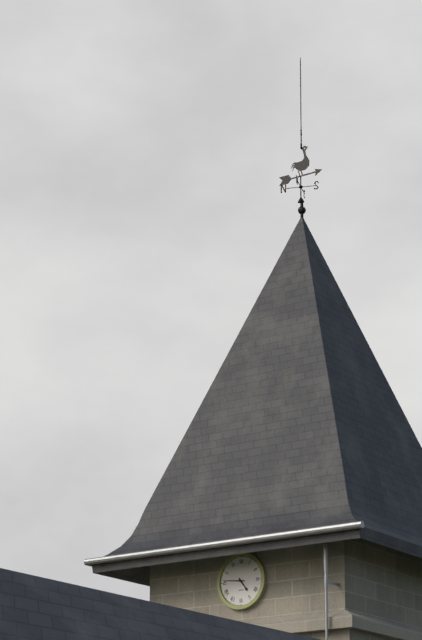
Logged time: 4,46
